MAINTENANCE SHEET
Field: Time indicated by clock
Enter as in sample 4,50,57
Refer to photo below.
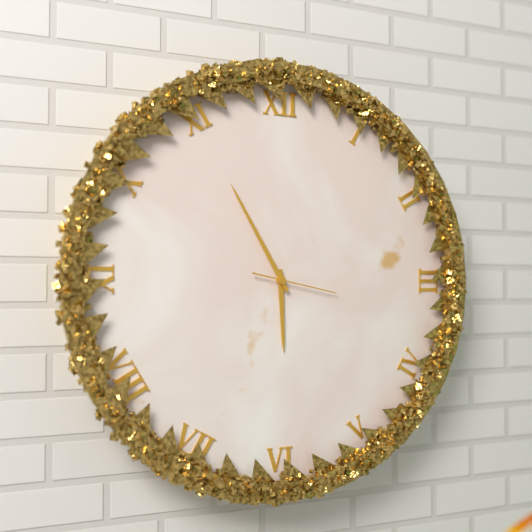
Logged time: 5,55,17
